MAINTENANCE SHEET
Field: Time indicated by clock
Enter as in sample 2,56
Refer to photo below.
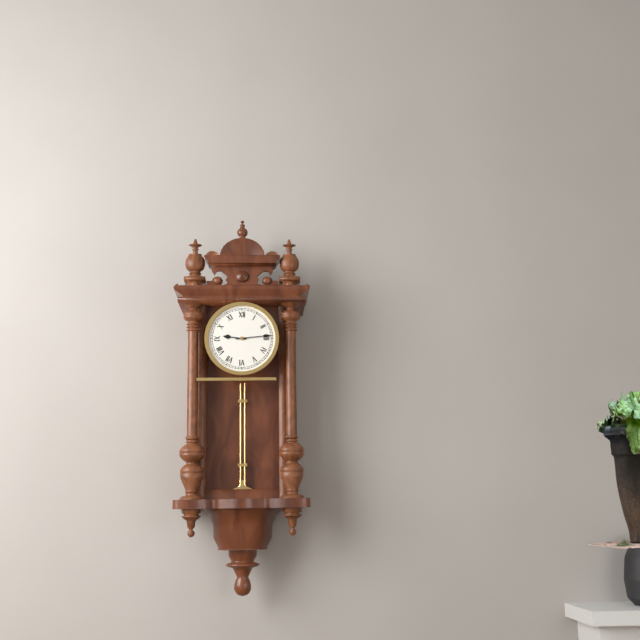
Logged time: 9,14
